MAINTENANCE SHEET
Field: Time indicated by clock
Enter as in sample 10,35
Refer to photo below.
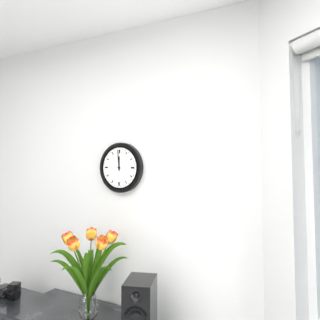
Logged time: 11,59
